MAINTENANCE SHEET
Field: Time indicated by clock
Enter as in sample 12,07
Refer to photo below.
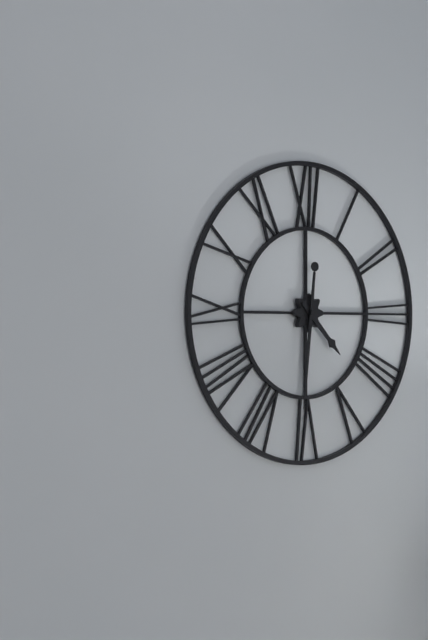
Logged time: 4,31
